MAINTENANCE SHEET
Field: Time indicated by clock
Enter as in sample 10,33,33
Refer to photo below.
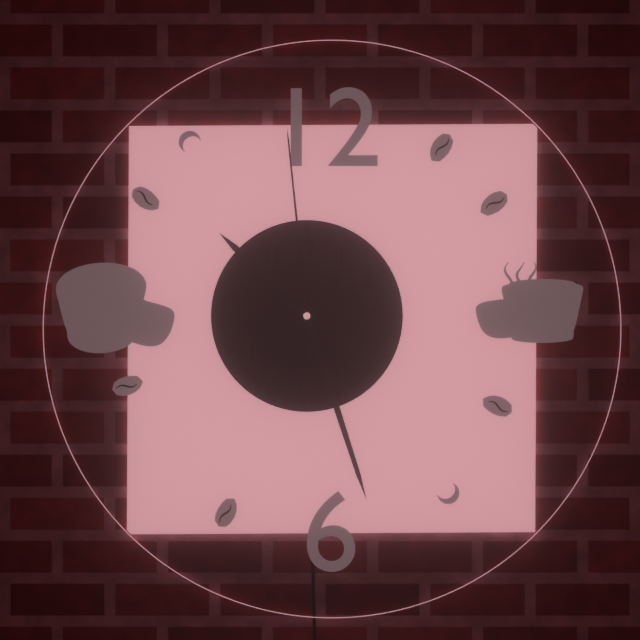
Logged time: 10,27,59
